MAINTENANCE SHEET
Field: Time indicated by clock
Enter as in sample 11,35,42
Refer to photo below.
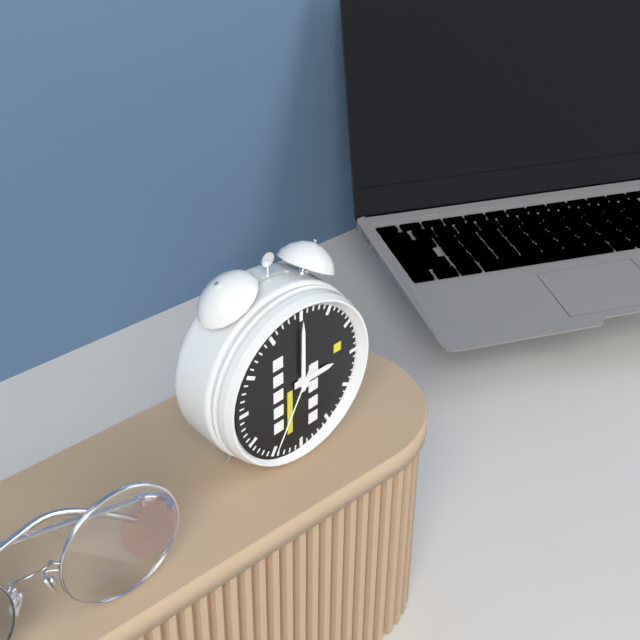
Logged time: 3,00,35
